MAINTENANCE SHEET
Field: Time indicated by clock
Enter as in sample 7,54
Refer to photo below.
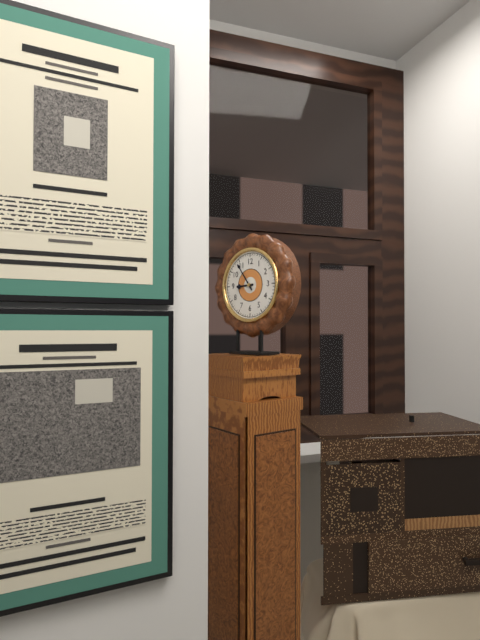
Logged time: 8,54
